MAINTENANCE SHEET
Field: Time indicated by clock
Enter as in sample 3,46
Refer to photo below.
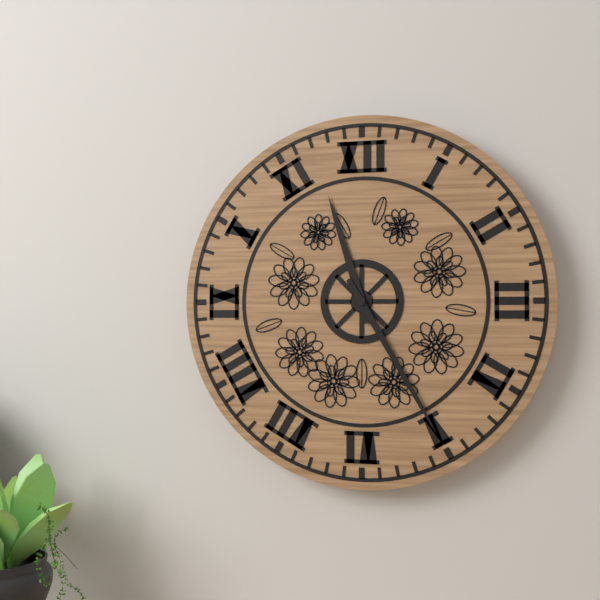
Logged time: 11,25
